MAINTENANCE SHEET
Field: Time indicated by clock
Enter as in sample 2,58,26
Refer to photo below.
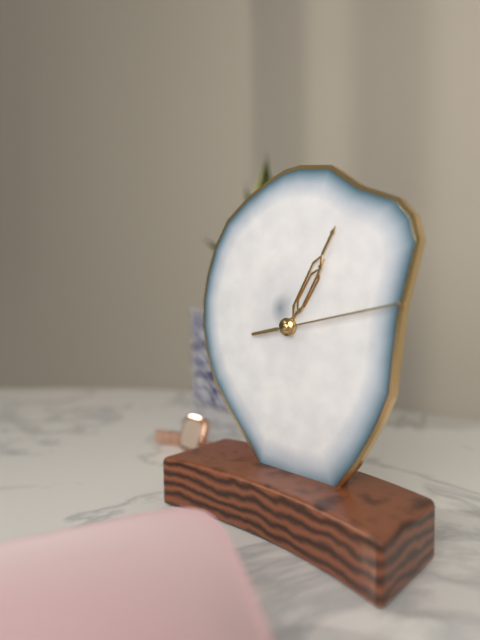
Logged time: 1,05,13
